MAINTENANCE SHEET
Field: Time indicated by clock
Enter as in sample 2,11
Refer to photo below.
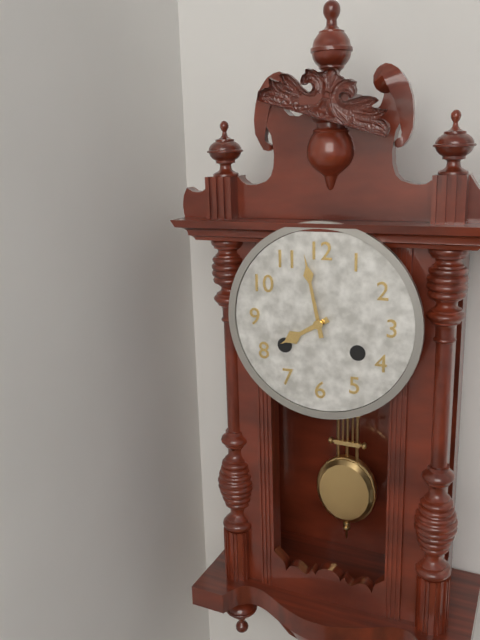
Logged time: 7,58
